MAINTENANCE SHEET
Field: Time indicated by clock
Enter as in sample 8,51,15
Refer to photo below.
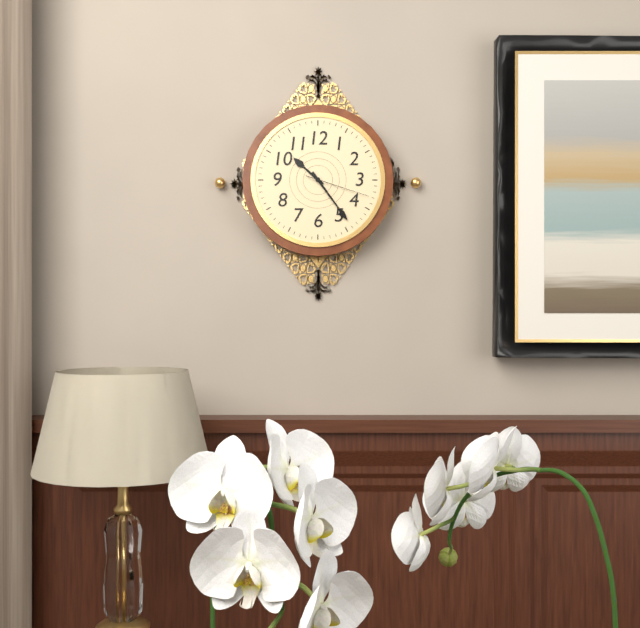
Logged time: 10,24,18
